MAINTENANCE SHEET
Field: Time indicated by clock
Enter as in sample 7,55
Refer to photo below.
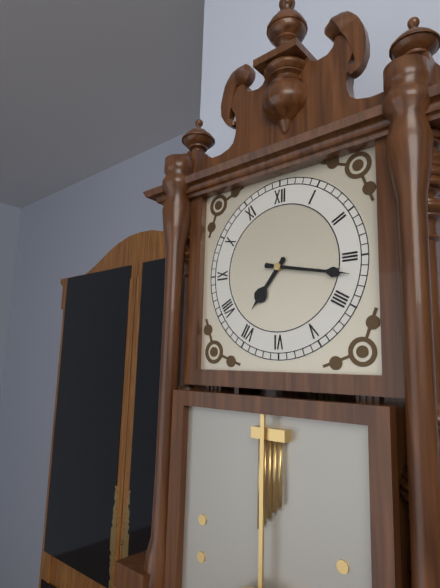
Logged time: 7,17
